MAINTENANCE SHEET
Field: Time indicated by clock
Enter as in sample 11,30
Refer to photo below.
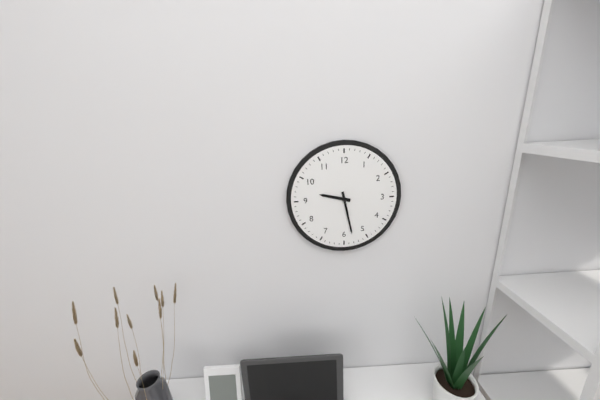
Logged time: 9,28
